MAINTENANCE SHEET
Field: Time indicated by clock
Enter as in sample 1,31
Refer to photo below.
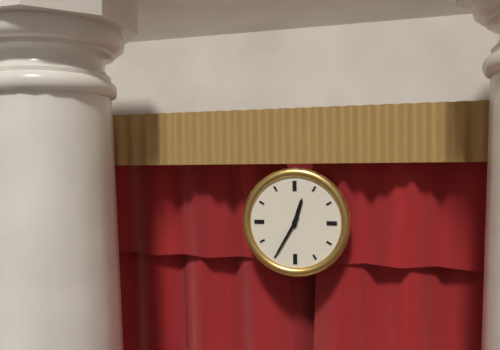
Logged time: 12,35
